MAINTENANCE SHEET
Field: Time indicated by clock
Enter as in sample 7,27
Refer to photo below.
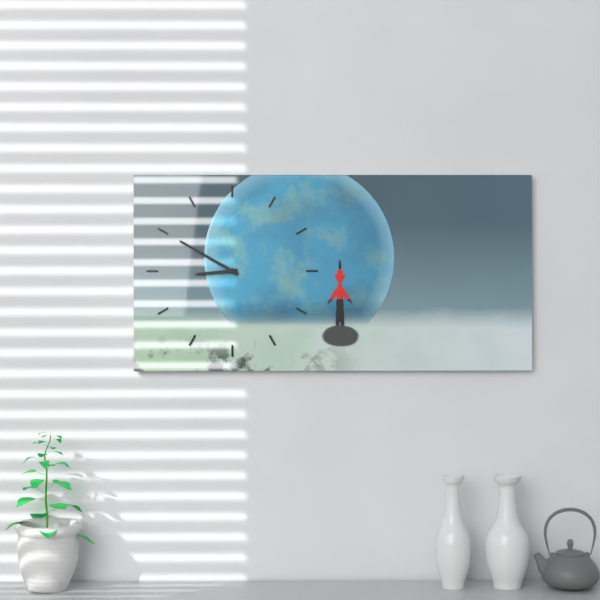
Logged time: 8,50
